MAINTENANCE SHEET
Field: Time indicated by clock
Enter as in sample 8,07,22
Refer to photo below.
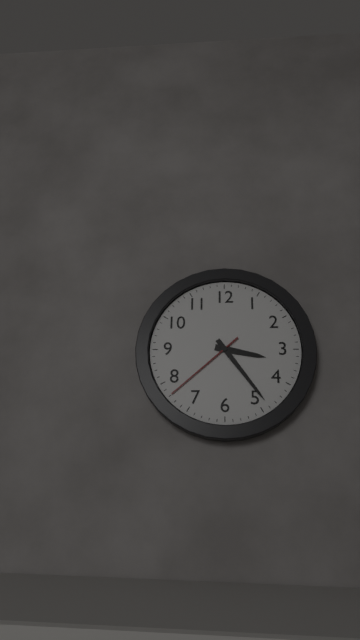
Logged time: 3,24,38
